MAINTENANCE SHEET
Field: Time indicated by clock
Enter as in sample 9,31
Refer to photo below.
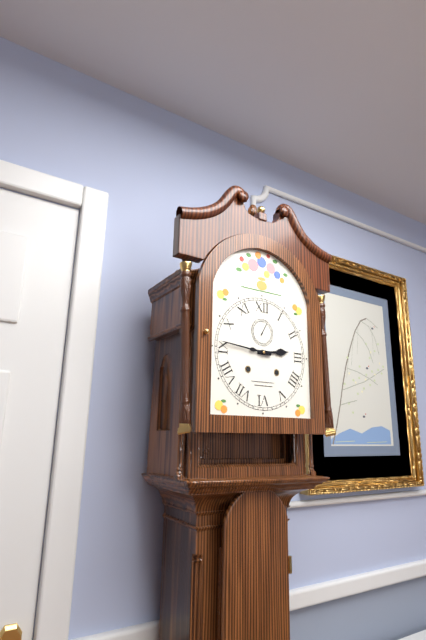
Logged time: 2,46
